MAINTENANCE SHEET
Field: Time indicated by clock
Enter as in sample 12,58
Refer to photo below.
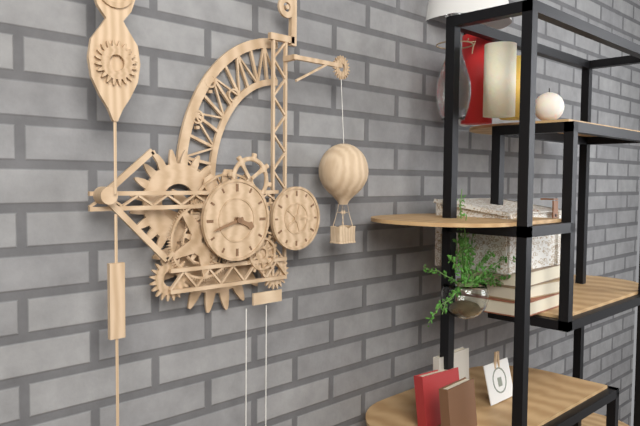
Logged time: 3,42
